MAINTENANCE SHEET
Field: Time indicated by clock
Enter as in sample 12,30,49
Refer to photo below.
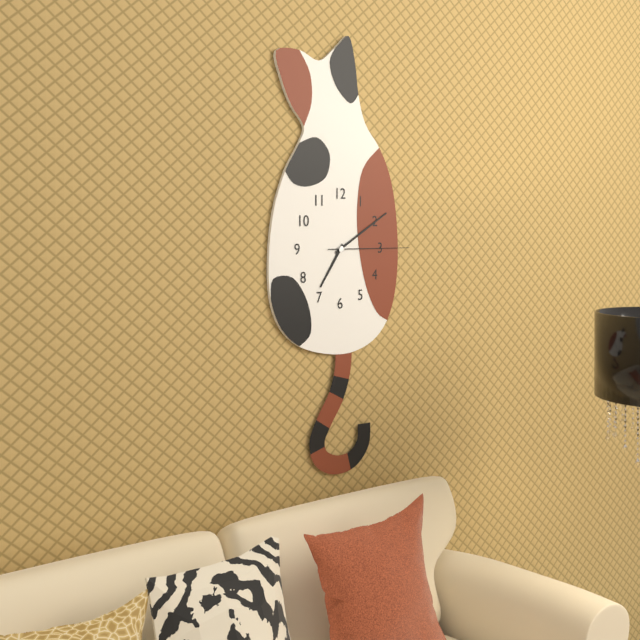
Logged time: 7,10,15
